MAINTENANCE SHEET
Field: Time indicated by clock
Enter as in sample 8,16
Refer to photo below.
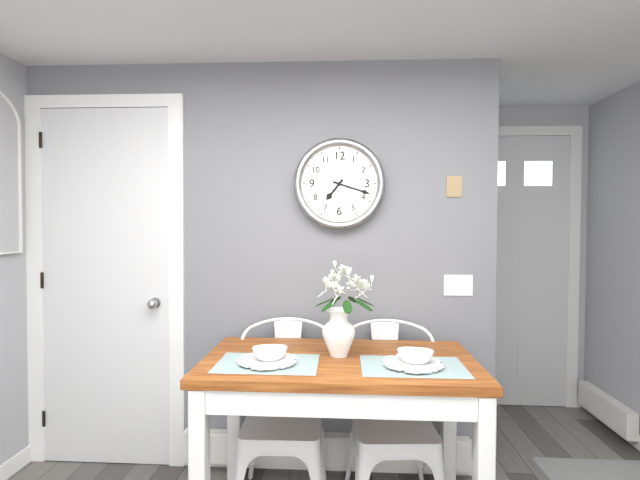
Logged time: 7,18
